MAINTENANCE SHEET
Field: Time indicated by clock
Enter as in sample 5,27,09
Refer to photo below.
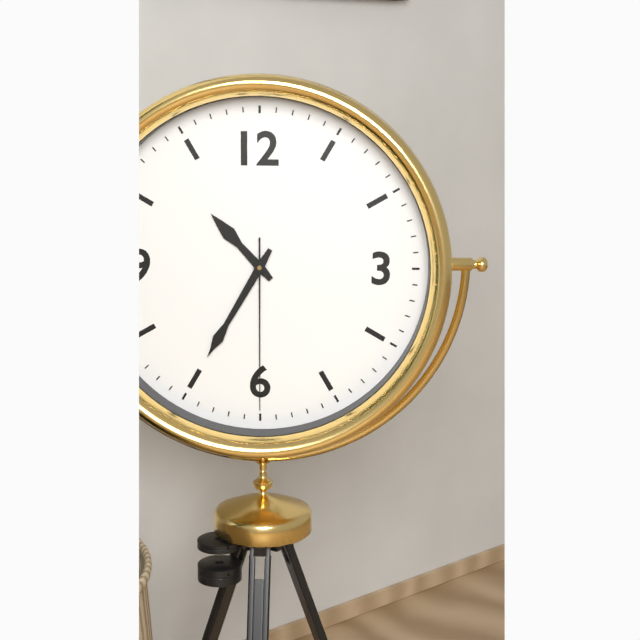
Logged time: 10,35,30
